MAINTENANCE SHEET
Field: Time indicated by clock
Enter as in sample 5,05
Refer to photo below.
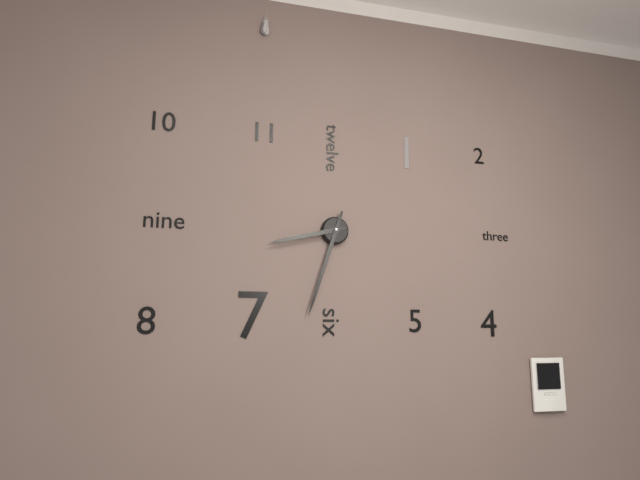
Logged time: 8,33
